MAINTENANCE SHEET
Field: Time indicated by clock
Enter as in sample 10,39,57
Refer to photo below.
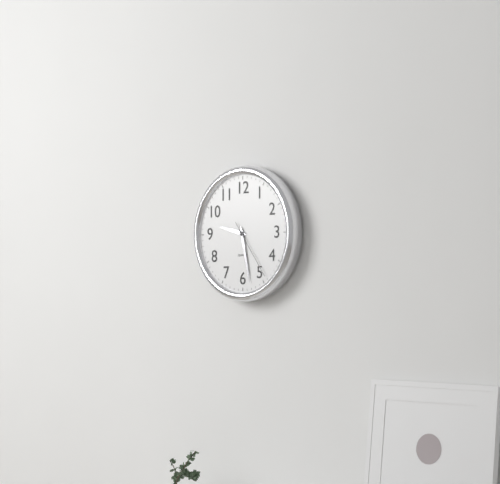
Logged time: 9,28,24
